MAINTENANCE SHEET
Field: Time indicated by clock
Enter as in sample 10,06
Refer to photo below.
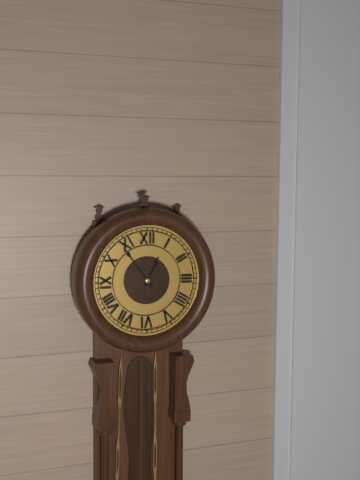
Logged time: 12,54
